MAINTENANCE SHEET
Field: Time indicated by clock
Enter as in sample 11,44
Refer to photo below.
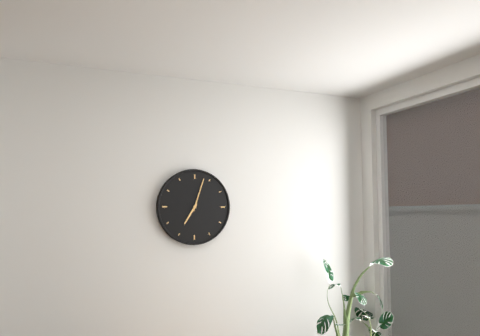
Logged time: 7,03
